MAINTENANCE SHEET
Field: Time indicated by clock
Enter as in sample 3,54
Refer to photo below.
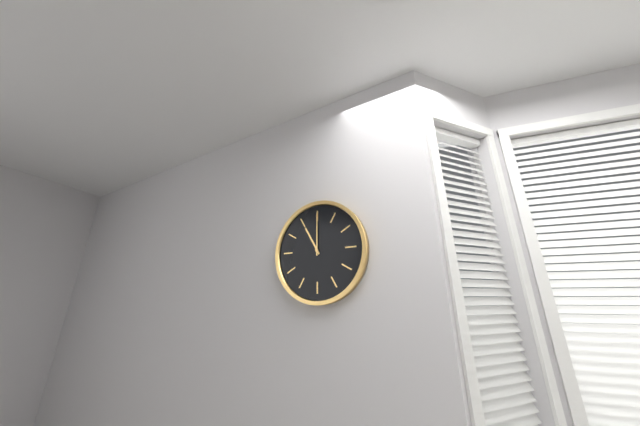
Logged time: 11,00
